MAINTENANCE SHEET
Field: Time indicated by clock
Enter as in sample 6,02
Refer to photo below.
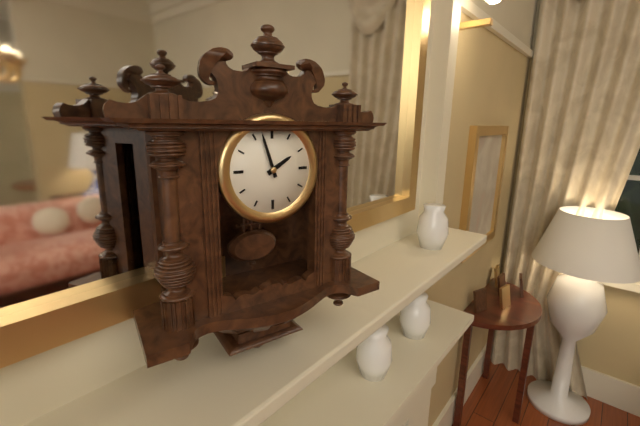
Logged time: 1,57
